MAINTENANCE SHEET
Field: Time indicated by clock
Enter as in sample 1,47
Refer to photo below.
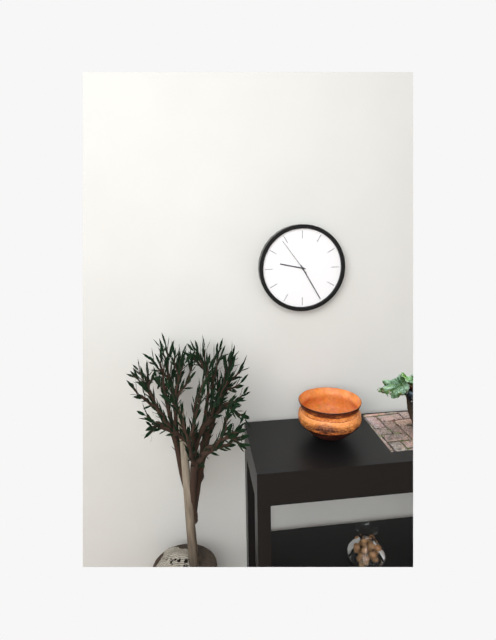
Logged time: 9,25
